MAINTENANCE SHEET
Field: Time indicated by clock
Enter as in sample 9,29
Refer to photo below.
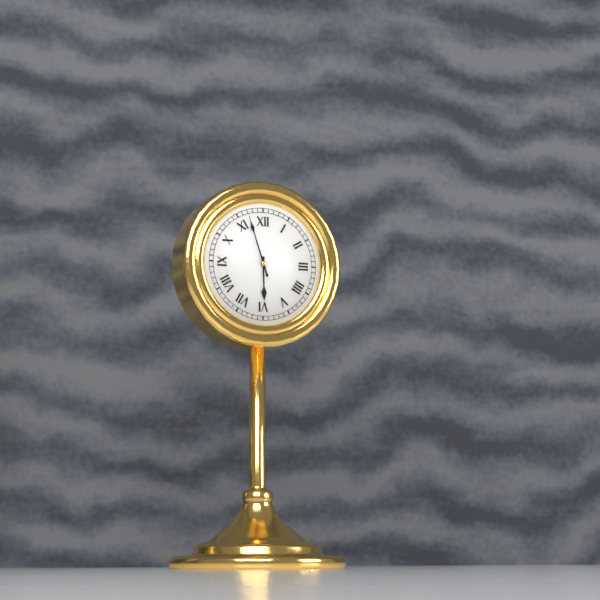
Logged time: 5,57
